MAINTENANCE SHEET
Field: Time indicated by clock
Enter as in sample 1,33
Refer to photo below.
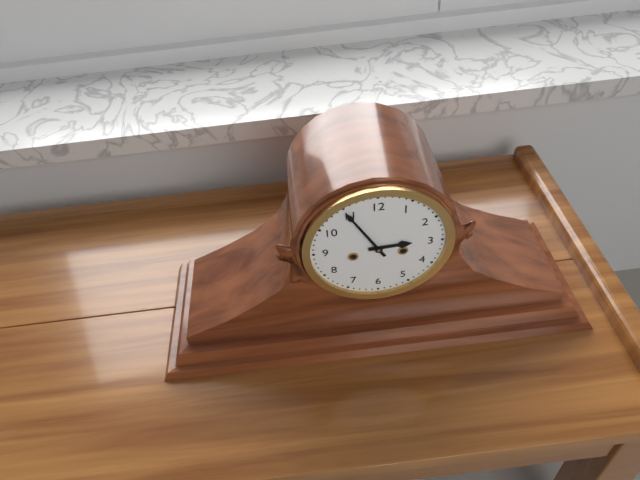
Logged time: 2,55
